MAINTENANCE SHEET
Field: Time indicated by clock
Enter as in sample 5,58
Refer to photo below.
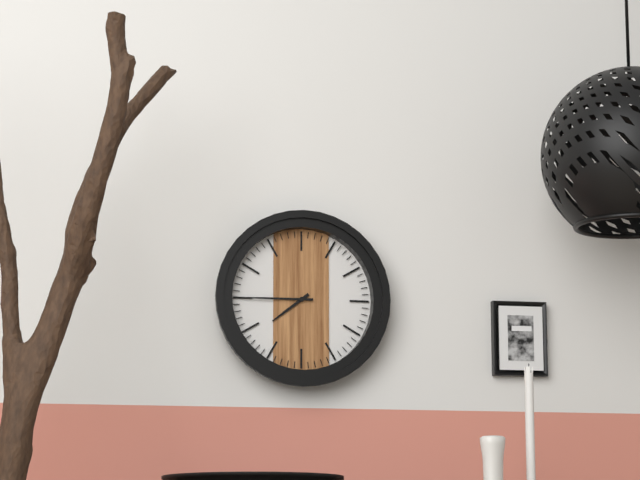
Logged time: 7,45
